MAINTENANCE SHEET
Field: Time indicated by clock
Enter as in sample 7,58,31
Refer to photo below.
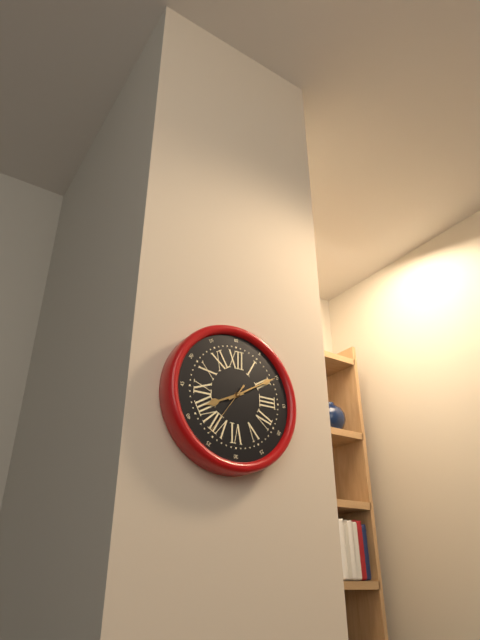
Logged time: 8,10,36
